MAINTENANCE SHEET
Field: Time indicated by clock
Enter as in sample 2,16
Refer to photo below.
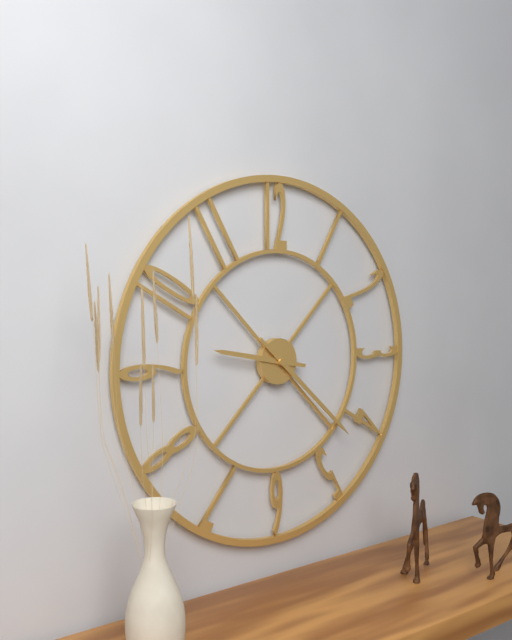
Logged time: 9,22
